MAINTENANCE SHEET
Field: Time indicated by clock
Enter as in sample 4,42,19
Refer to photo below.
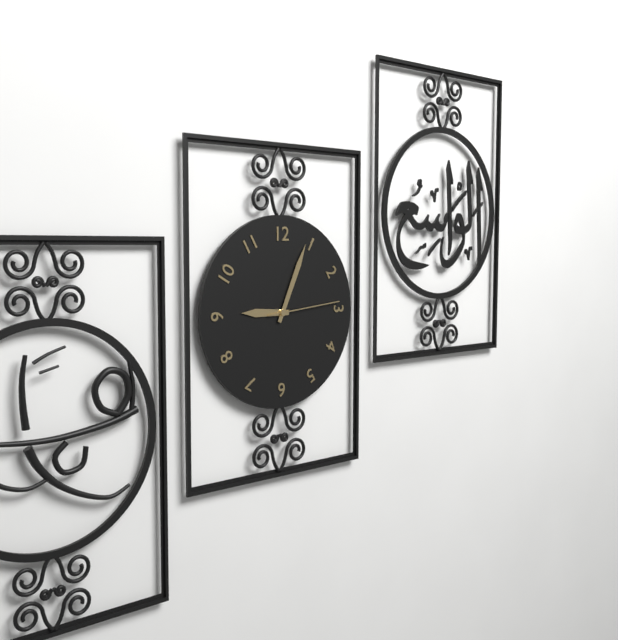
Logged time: 9,04,14
